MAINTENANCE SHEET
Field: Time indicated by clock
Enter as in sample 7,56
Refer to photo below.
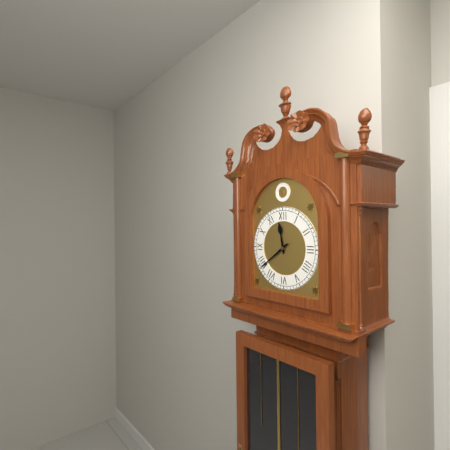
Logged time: 11,39
